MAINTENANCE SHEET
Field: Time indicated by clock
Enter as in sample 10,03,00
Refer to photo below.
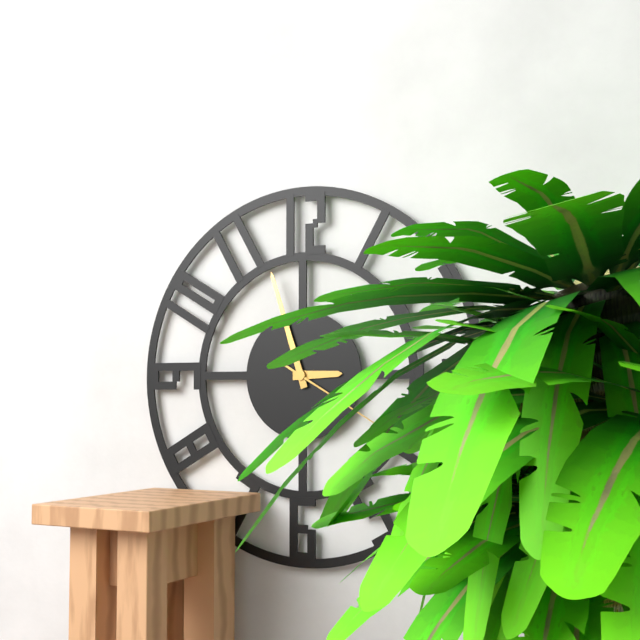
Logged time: 2,57,20
